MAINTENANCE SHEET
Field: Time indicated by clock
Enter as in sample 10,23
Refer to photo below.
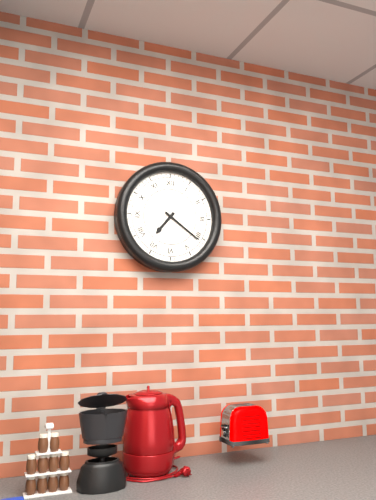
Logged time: 7,21
